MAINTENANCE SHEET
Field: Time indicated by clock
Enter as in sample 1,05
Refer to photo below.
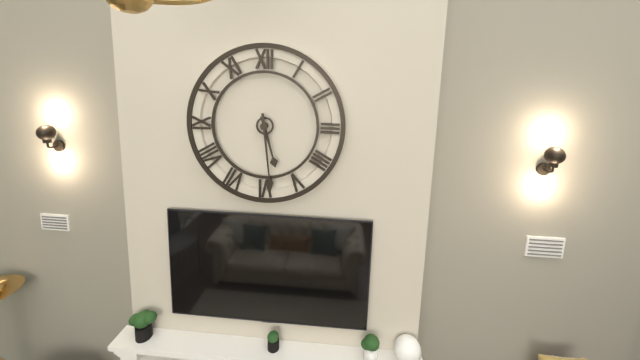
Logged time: 5,29
